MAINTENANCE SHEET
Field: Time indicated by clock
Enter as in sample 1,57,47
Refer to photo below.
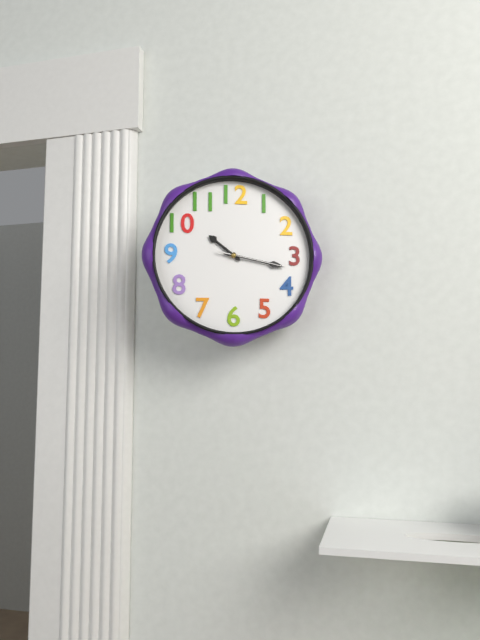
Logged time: 10,17,17
